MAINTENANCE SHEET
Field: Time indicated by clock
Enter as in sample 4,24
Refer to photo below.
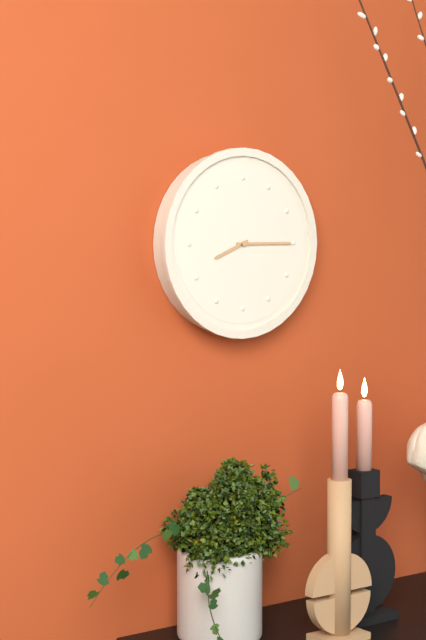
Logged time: 8,15
